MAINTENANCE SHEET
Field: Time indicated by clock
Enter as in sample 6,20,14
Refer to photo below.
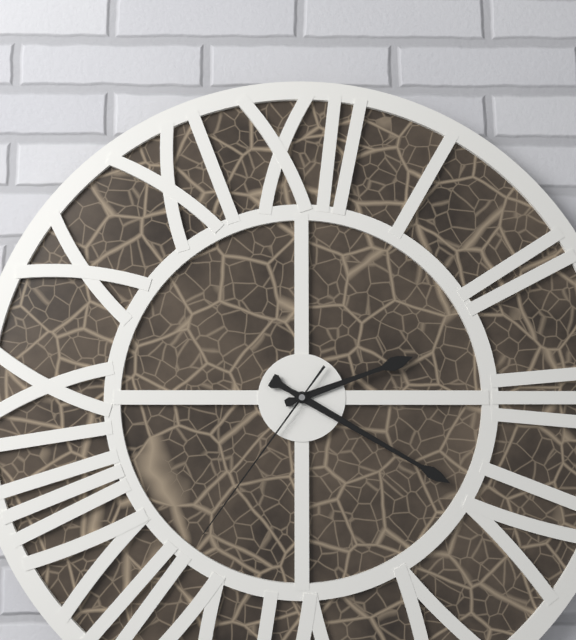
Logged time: 2,20,36
